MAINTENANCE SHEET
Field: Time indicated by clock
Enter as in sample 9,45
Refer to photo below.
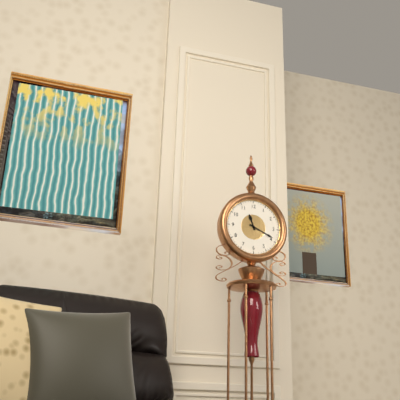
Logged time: 11,19
